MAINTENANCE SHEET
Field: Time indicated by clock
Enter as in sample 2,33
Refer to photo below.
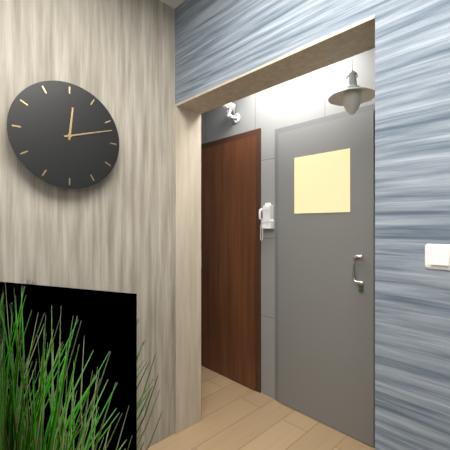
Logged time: 12,12
